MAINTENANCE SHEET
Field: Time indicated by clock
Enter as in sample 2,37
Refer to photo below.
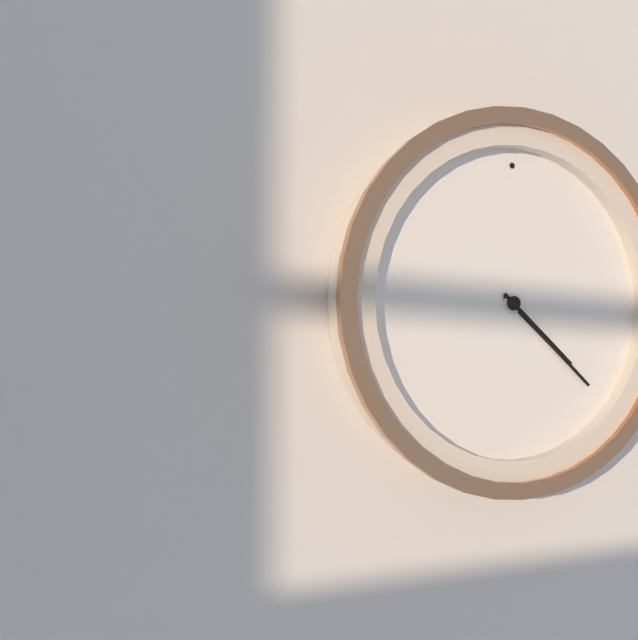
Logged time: 4,22
